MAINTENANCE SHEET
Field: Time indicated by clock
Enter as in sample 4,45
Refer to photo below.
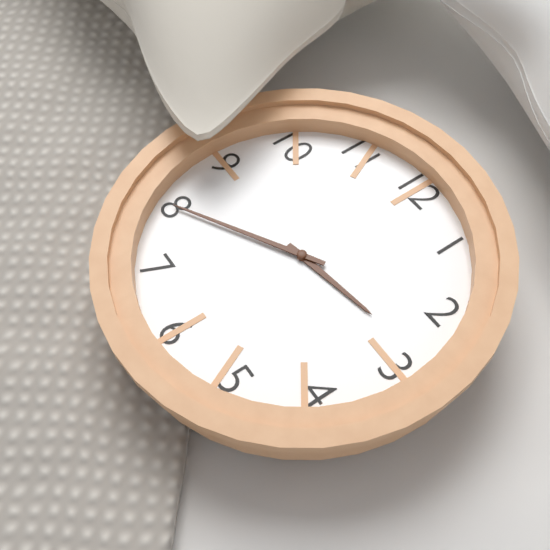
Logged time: 2,40
